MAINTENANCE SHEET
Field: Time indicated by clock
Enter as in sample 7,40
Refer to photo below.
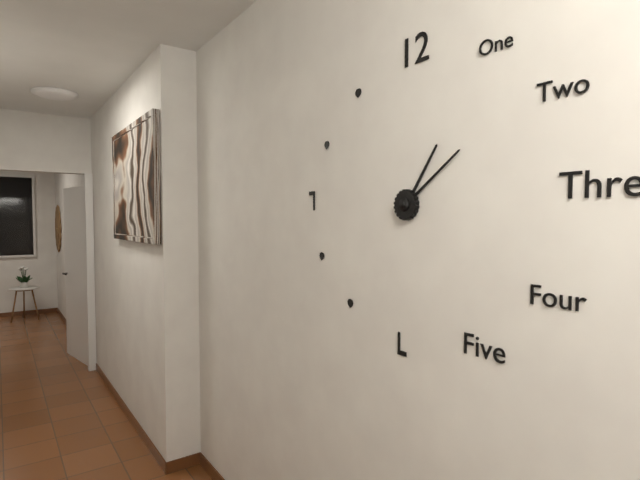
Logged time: 1,09
